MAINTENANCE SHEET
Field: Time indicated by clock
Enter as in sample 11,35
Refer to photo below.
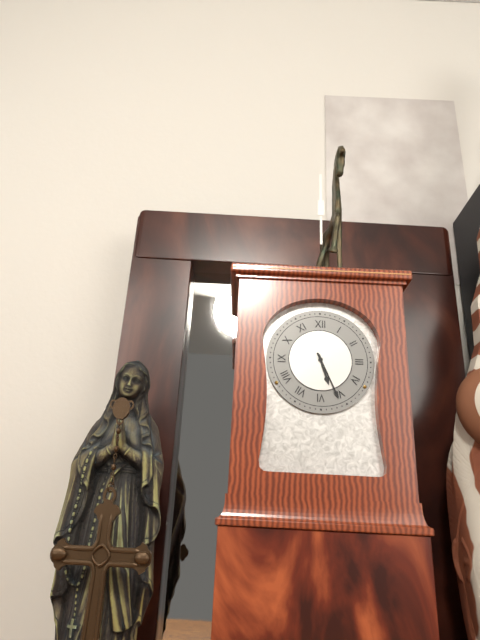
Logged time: 5,26
